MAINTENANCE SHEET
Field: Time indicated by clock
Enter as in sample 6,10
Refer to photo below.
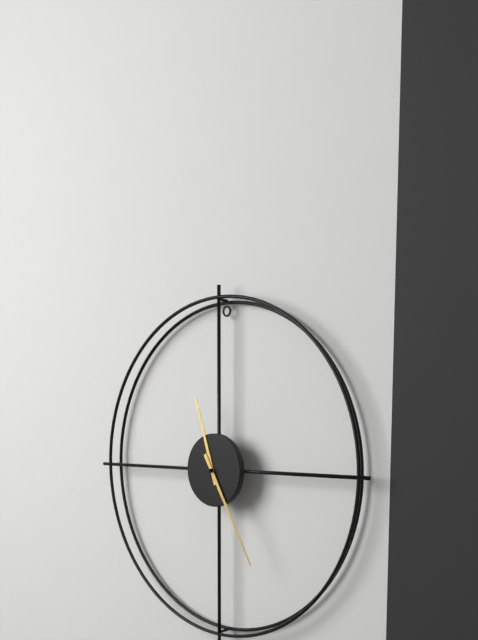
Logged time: 11,25
